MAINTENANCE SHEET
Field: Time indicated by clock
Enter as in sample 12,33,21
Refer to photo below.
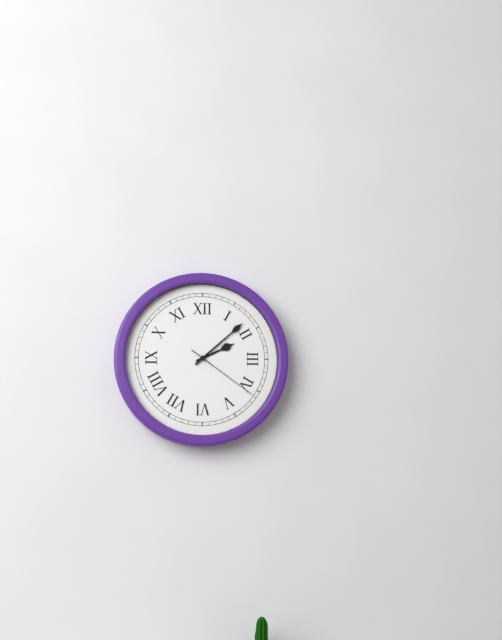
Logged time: 2,08,21
